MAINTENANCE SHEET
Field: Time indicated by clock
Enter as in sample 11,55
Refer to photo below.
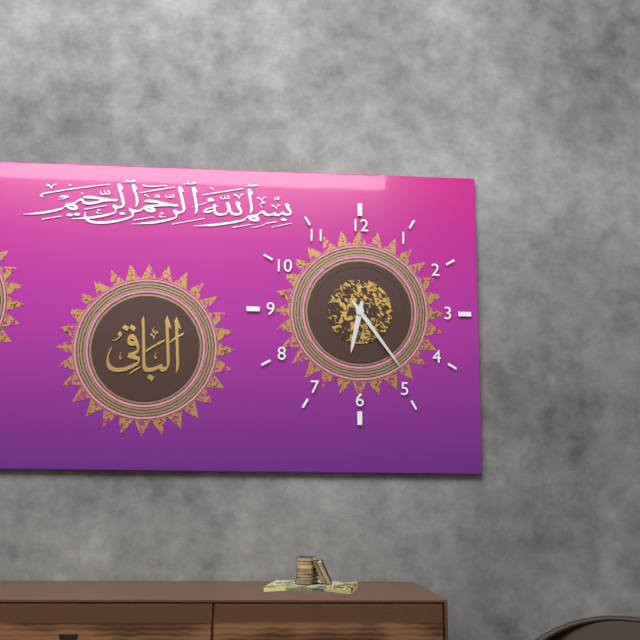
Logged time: 6,24
